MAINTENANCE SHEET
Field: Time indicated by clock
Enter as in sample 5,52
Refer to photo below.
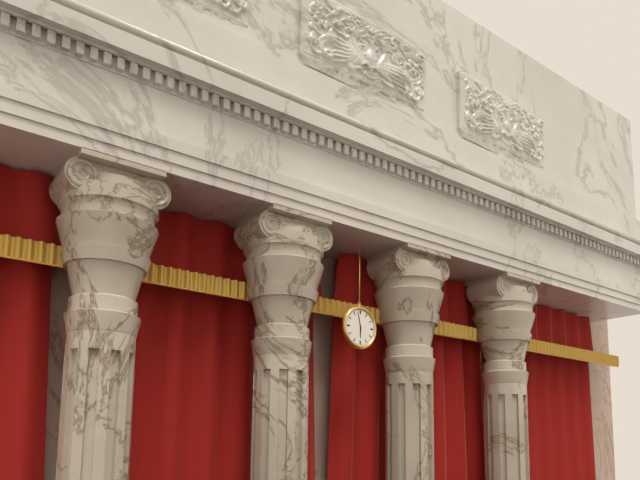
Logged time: 5,58
